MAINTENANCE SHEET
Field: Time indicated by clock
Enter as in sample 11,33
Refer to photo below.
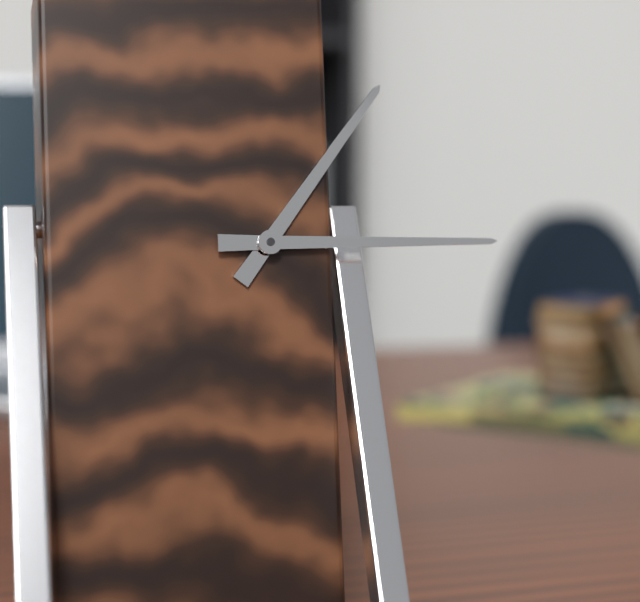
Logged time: 1,15
